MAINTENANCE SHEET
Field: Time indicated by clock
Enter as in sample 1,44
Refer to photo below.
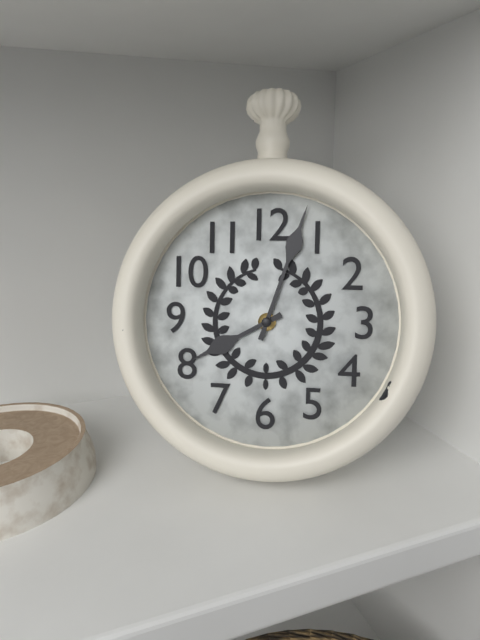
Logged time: 8,03
